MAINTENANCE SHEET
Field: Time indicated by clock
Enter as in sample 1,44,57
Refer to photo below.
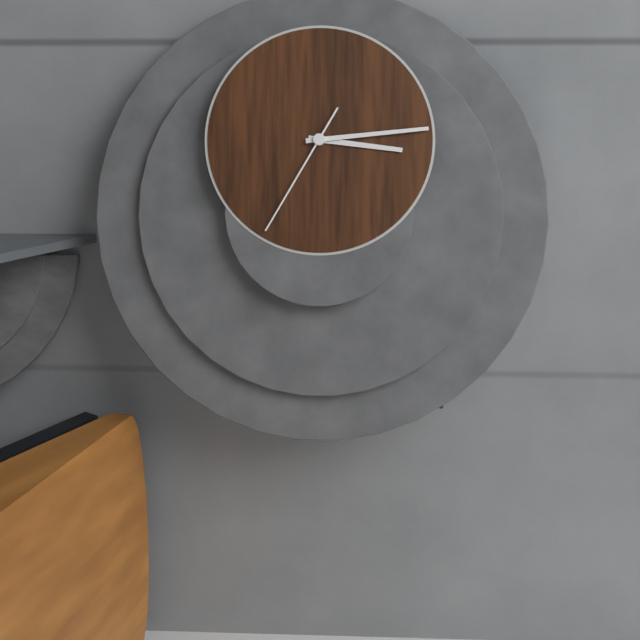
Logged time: 3,14,35
